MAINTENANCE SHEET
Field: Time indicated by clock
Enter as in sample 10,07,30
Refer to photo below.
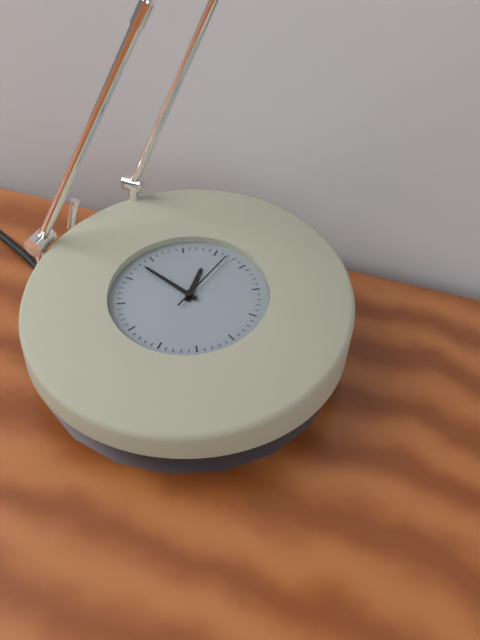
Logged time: 11,48,02
